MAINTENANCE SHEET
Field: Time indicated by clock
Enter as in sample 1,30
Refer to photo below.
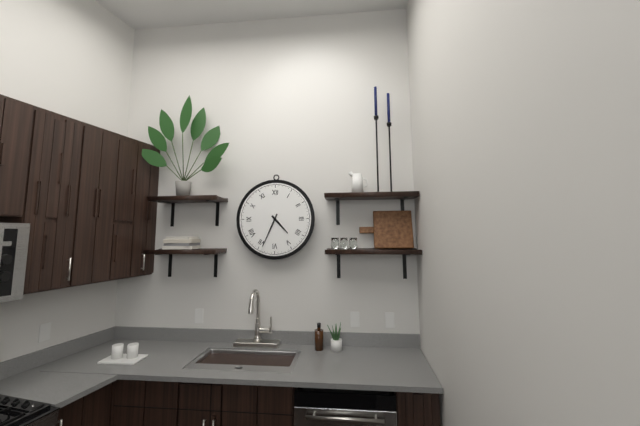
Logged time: 4,34
